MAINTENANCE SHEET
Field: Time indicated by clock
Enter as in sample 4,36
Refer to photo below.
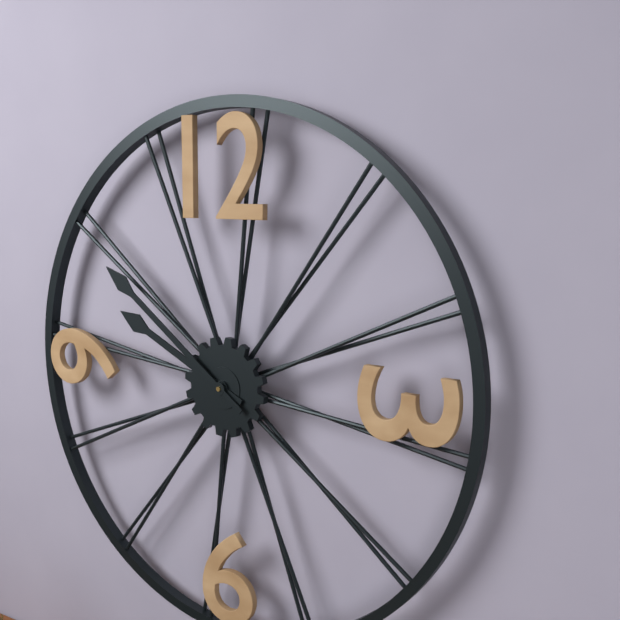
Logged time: 9,51
